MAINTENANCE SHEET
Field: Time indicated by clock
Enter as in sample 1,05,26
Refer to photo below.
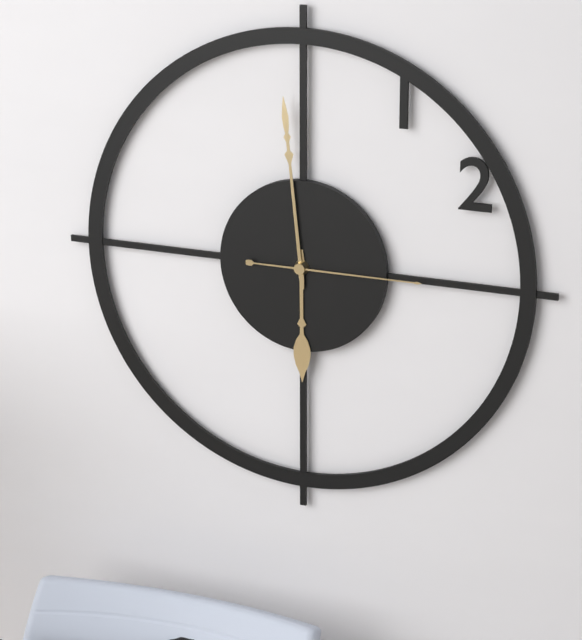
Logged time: 5,59,15
